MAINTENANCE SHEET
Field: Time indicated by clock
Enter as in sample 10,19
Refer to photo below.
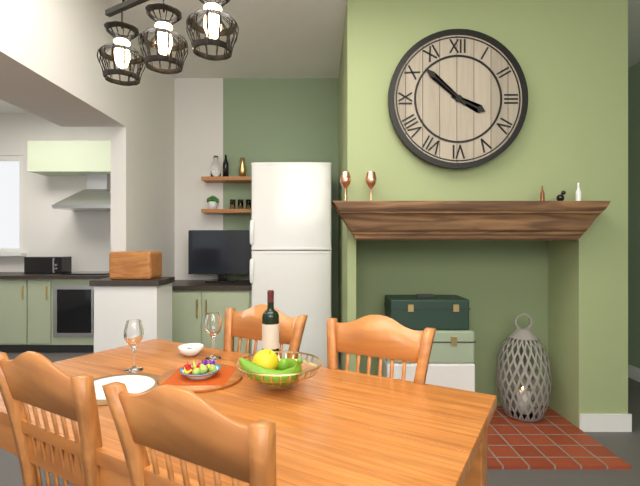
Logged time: 3,52
